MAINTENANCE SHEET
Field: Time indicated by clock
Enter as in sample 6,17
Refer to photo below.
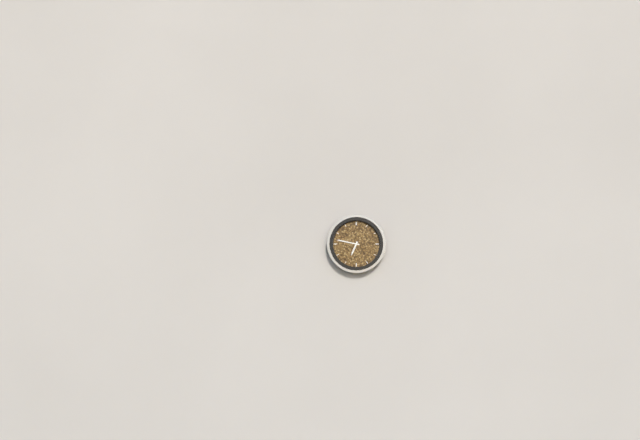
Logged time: 6,47
